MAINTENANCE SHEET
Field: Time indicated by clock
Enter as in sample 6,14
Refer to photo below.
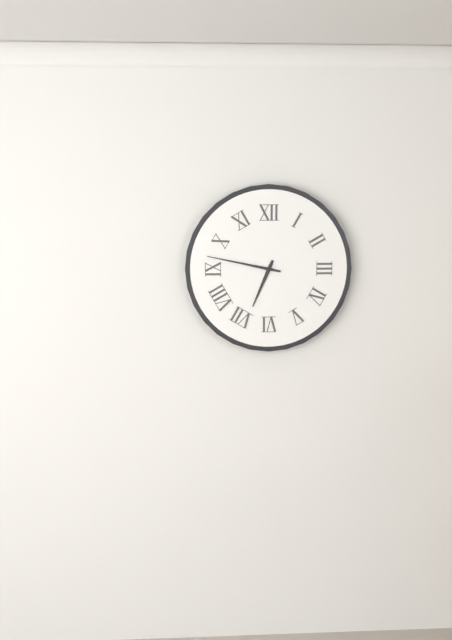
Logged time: 6,47
